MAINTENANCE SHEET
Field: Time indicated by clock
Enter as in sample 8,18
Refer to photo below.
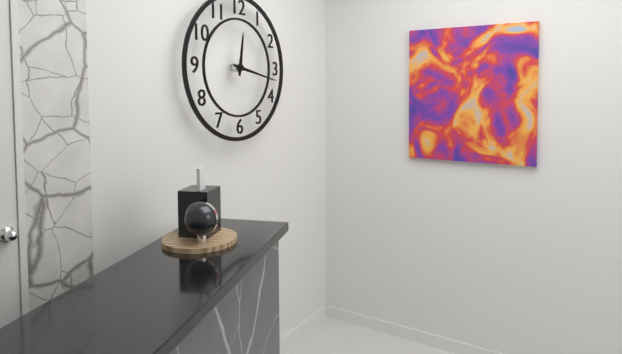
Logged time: 12,17
